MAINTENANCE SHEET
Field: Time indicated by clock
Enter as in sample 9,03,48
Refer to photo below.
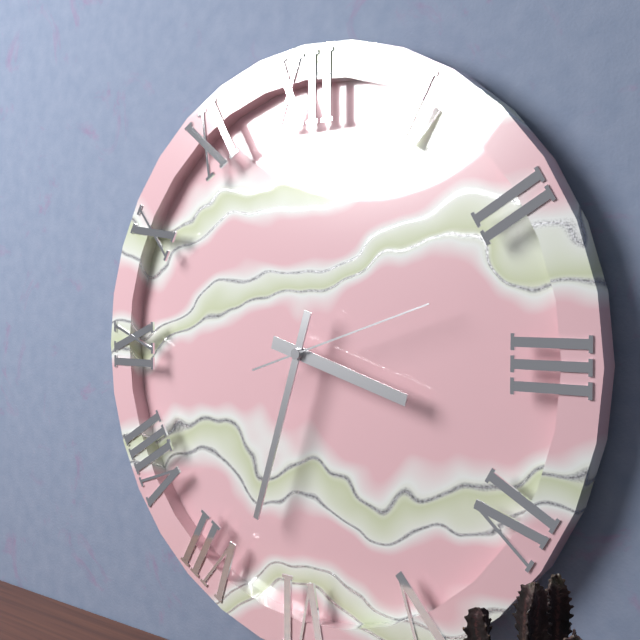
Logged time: 3,33,12
